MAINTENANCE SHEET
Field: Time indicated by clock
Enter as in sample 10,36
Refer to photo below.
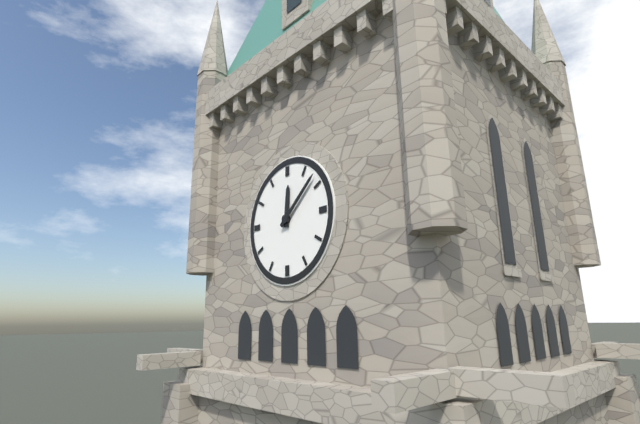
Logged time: 12,08
